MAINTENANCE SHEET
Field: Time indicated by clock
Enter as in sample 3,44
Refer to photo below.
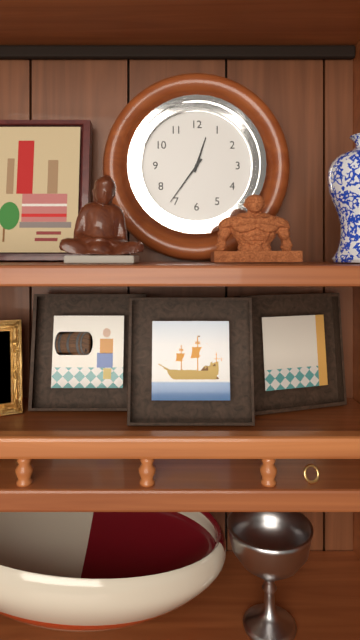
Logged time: 12,36
